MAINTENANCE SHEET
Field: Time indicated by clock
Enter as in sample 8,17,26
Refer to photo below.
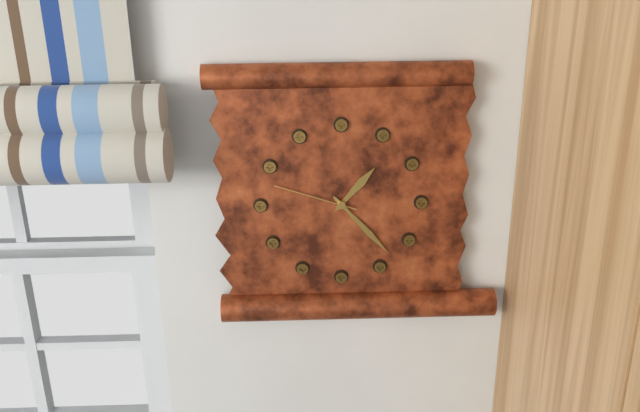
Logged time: 1,23,48
